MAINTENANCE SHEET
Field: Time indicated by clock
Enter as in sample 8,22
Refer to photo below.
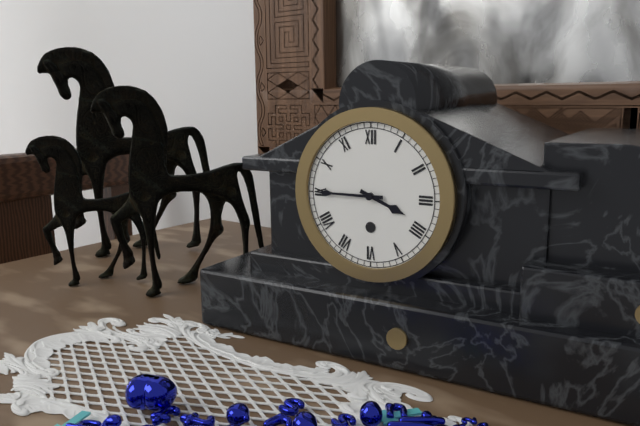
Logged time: 3,45
